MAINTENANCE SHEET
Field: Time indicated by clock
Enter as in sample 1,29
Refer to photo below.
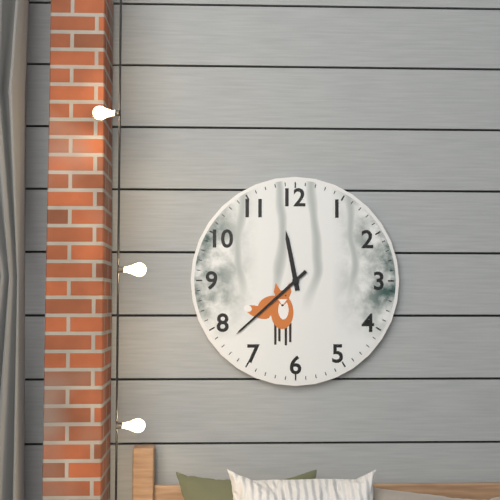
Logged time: 11,38
